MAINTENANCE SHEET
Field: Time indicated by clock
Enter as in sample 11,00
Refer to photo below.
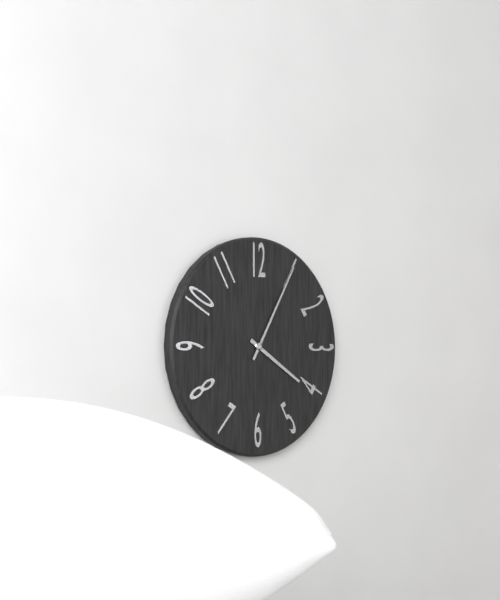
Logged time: 4,05
